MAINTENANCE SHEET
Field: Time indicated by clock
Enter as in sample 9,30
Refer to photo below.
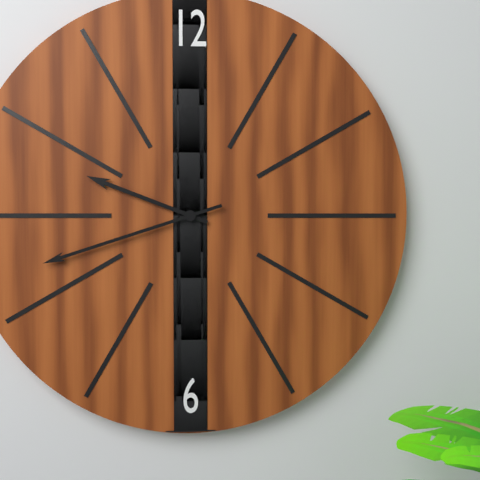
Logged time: 9,42
